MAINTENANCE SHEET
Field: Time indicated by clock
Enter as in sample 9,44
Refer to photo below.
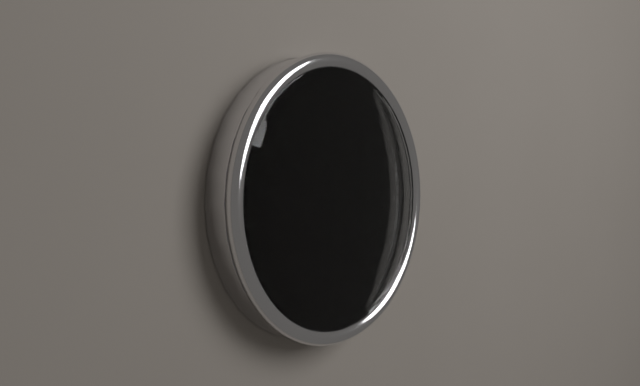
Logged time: 5,14
